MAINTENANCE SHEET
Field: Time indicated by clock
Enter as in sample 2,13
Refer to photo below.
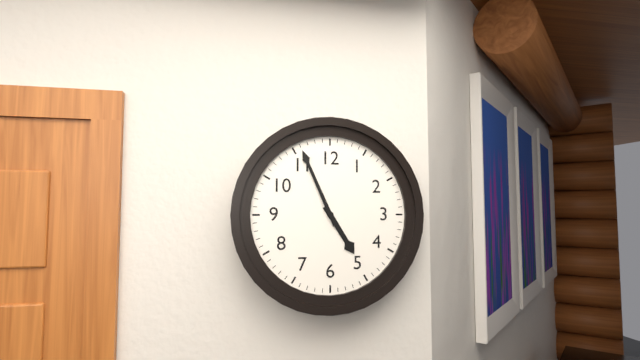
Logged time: 4,56
